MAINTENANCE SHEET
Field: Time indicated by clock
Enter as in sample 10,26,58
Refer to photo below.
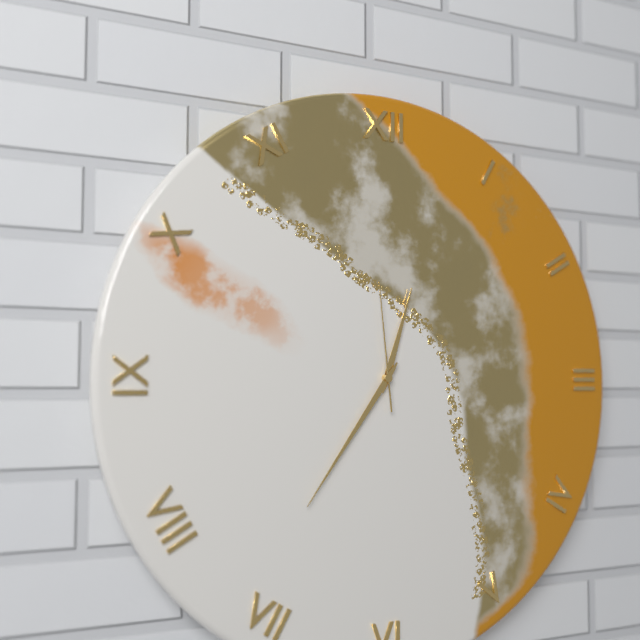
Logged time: 12,36,59
